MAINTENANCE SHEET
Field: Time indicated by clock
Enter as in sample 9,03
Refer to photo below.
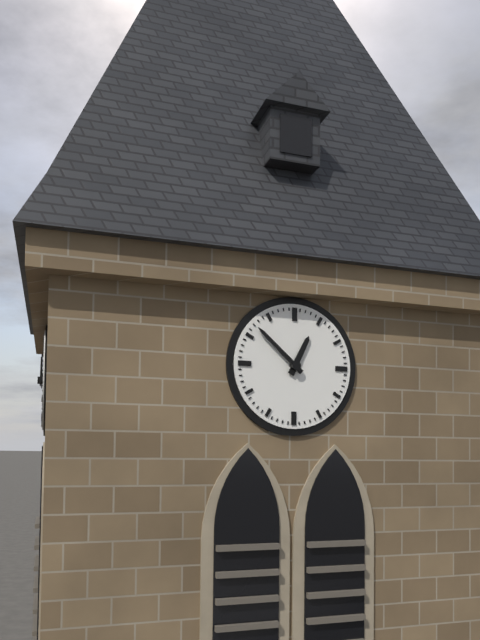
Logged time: 12,52
